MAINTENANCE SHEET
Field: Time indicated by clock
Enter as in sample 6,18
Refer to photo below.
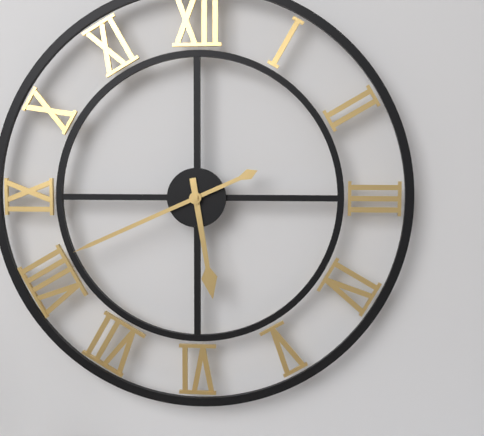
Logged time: 5,41
